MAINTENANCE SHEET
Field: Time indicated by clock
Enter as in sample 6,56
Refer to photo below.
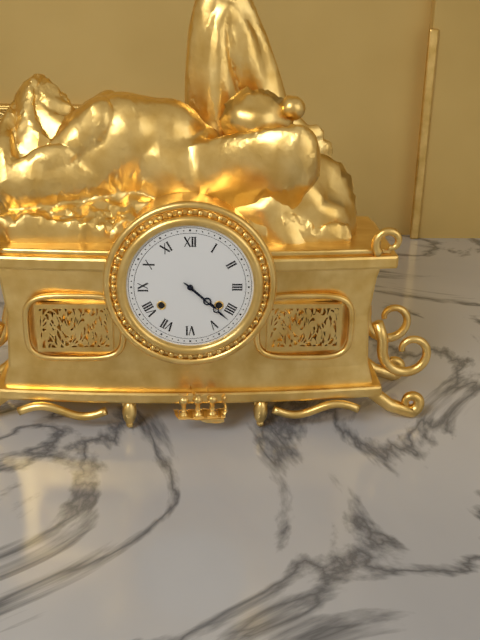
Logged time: 4,22
